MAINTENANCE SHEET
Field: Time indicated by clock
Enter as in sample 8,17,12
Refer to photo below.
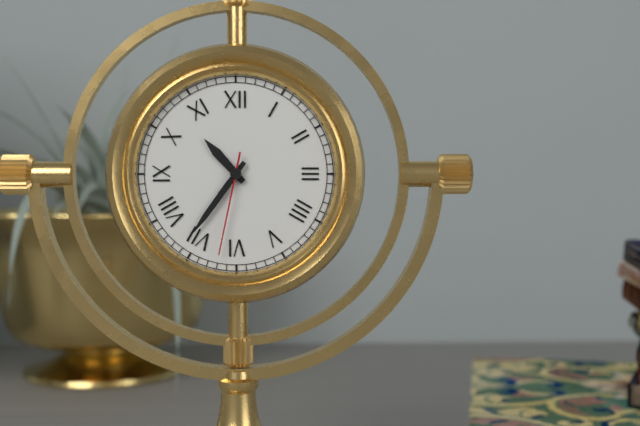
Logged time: 10,36,32
